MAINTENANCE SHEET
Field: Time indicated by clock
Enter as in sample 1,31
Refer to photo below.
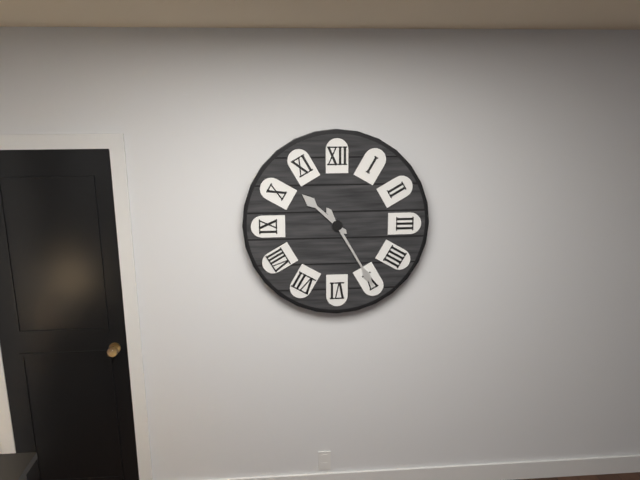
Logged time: 10,25
